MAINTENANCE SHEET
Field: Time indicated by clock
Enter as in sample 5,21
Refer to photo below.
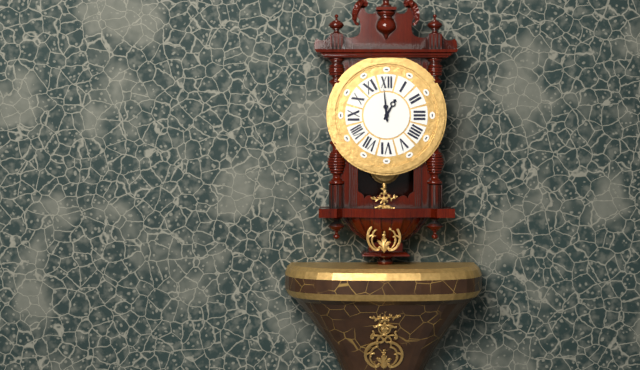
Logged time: 12,59
